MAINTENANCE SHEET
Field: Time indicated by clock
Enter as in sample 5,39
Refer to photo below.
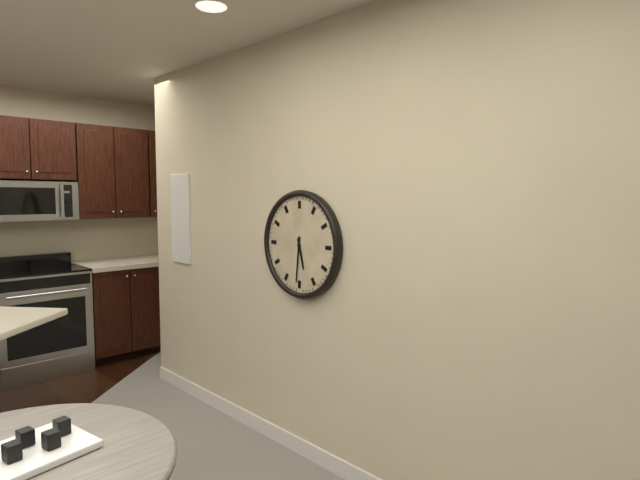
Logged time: 5,31
